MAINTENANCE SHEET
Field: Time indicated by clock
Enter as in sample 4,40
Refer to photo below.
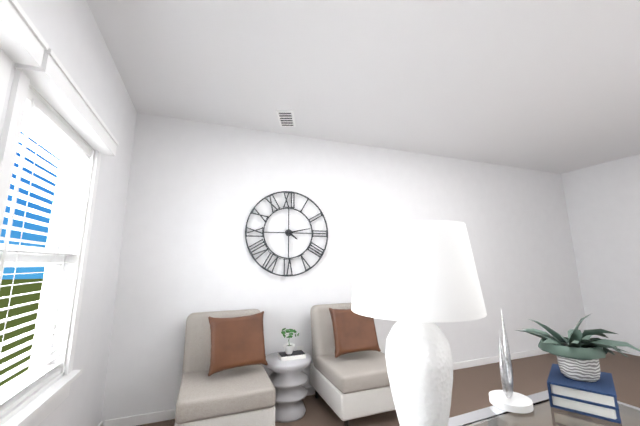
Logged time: 4,13
